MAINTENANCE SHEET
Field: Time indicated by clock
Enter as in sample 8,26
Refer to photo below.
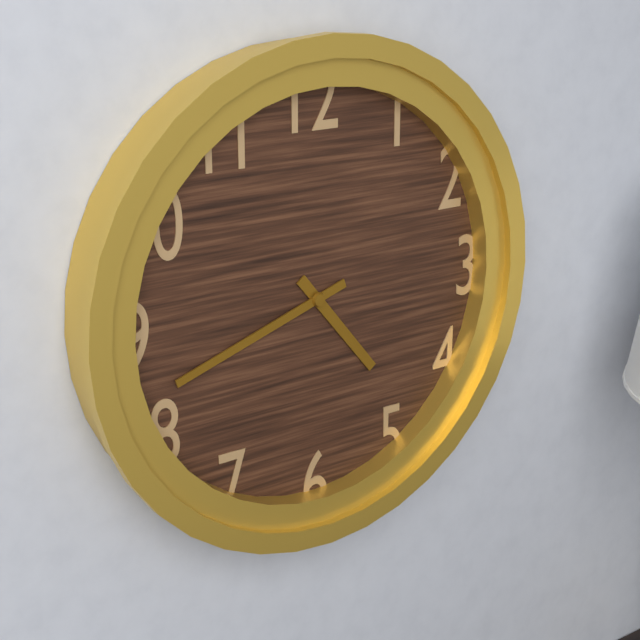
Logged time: 4,42
